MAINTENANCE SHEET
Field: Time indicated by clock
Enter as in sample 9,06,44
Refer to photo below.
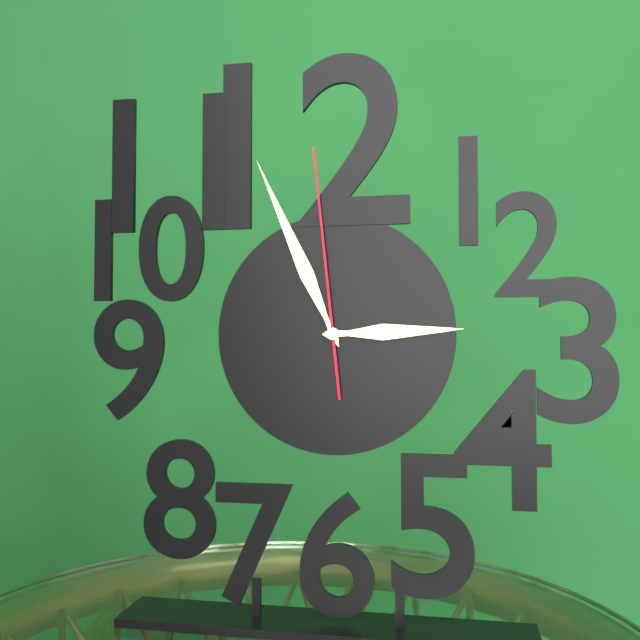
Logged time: 2,56,59
